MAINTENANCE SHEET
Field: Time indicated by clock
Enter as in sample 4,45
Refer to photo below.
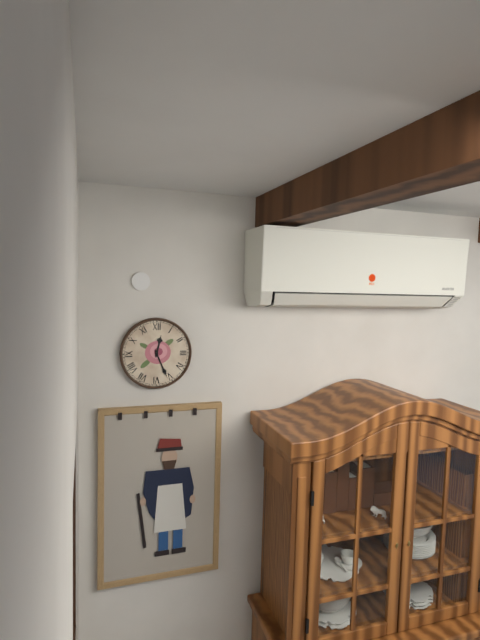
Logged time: 12,26
